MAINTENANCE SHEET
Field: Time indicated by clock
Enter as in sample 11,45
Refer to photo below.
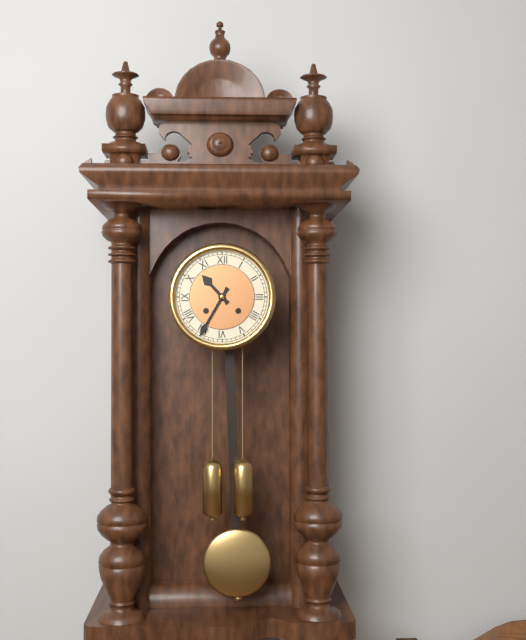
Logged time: 10,35
